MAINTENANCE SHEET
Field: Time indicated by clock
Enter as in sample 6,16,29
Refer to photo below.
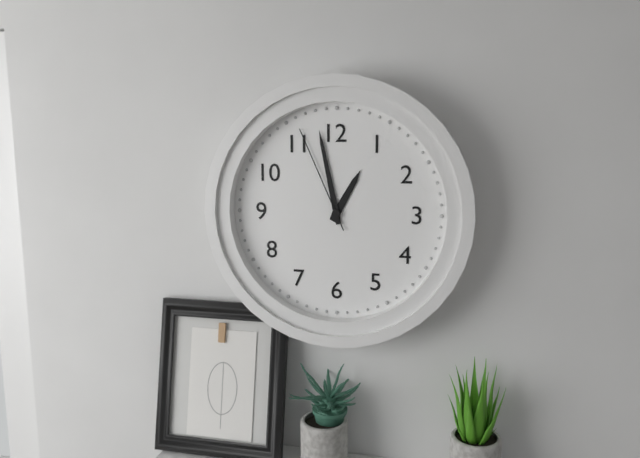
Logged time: 12,58,56
